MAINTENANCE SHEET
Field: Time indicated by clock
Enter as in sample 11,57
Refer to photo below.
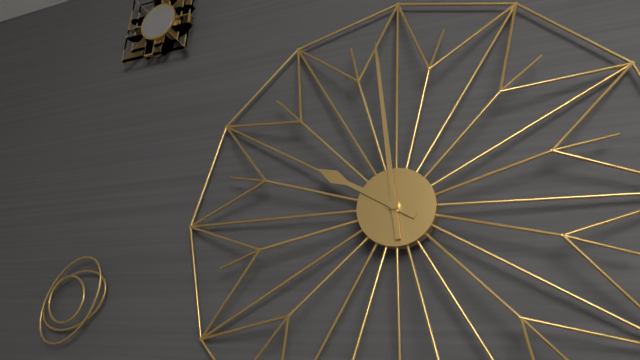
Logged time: 9,59
